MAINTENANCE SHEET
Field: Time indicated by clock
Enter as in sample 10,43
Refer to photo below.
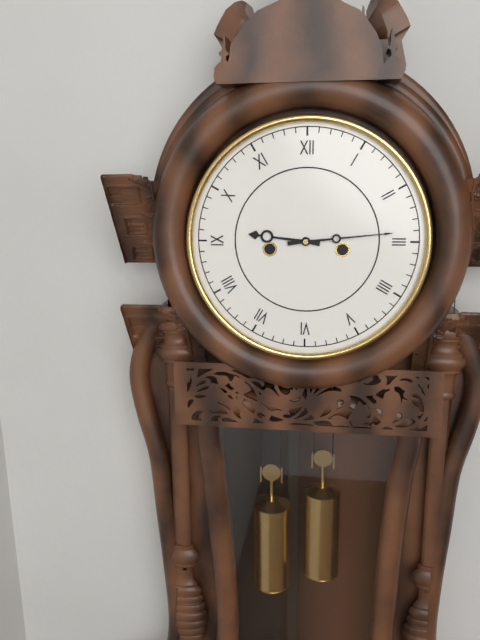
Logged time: 9,14
